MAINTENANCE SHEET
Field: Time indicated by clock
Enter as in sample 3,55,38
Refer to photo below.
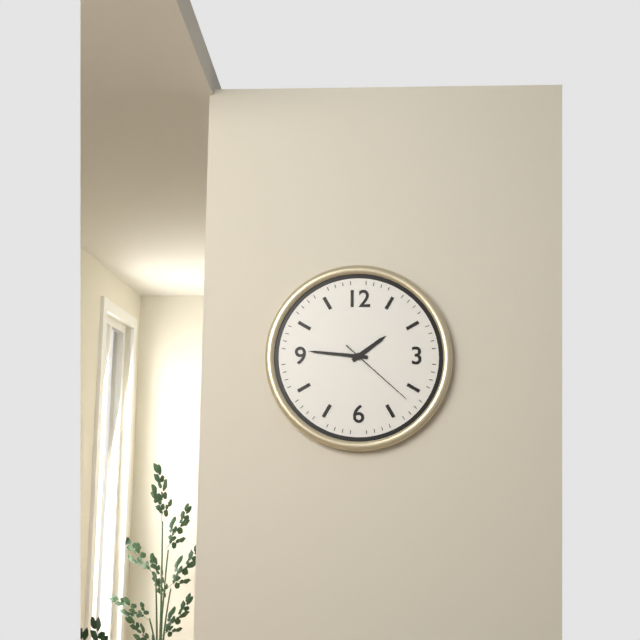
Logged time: 1,46,22
